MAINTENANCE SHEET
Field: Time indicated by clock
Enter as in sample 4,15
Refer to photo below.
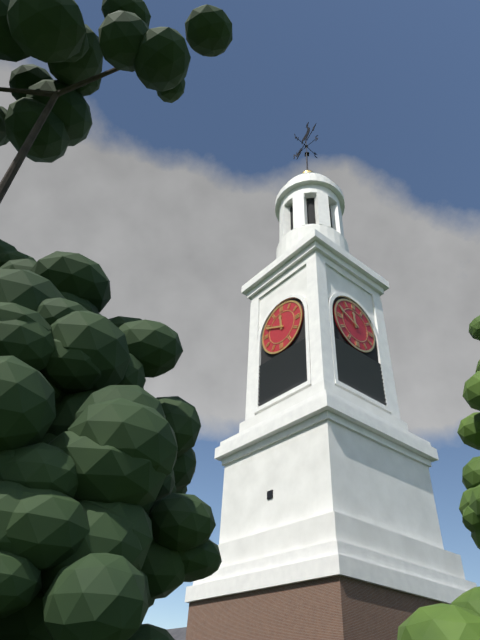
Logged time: 11,49
